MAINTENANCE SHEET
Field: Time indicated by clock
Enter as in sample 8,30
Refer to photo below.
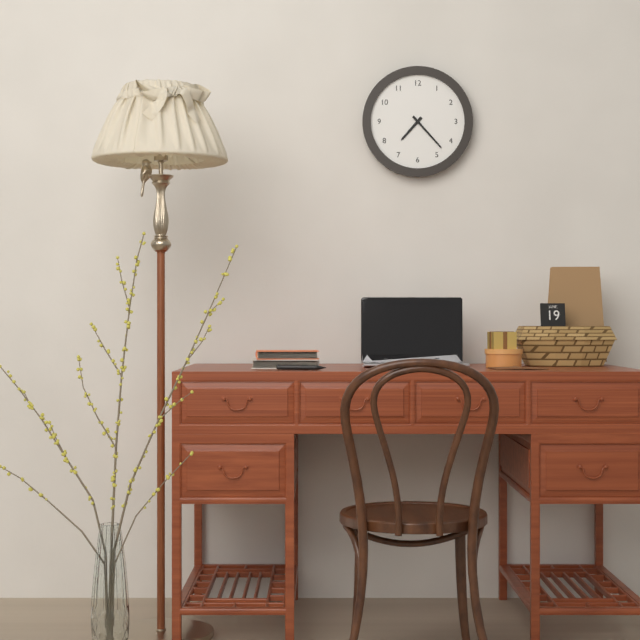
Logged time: 7,23
